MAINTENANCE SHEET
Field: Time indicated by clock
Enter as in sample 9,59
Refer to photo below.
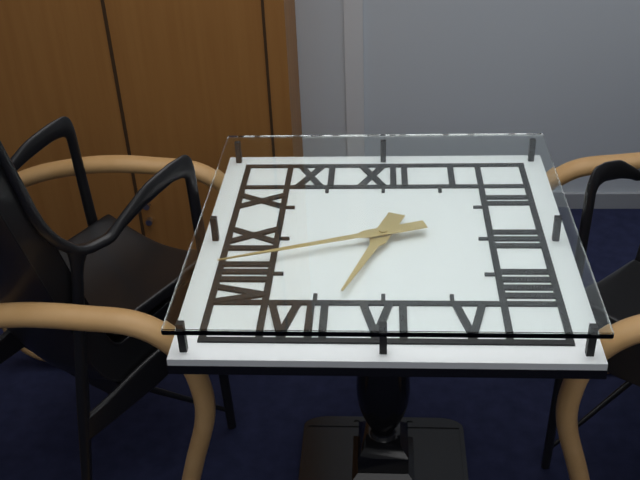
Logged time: 6,42
